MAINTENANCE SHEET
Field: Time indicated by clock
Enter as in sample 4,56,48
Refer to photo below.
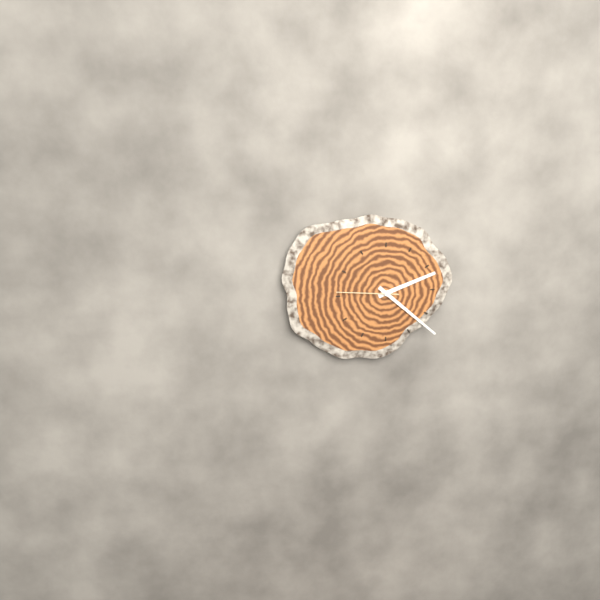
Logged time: 2,22,46
